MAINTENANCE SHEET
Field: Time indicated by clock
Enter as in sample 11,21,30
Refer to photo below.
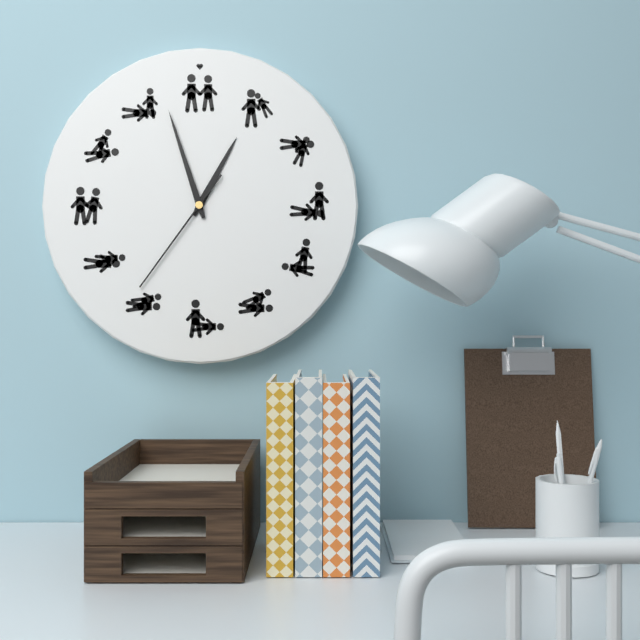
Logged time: 12,57,36
